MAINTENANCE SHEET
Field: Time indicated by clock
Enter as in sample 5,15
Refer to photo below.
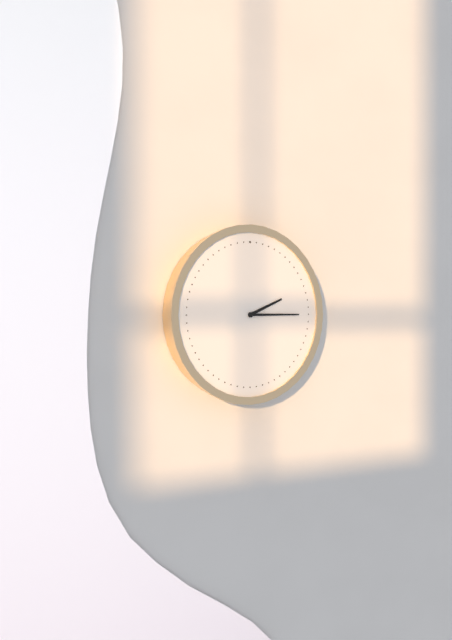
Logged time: 2,15
